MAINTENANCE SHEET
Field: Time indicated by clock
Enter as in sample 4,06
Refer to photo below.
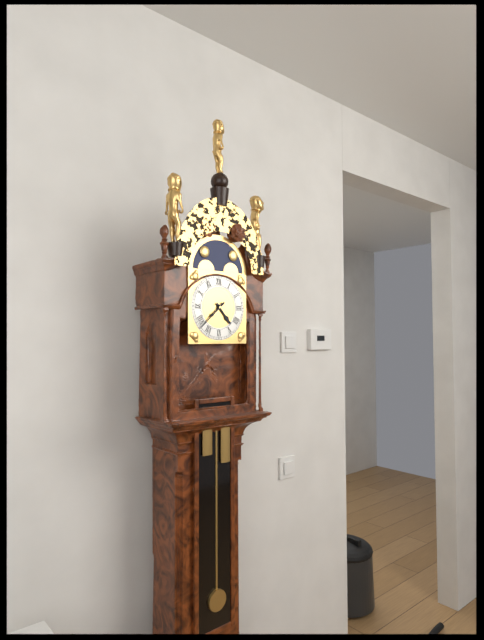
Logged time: 4,38
